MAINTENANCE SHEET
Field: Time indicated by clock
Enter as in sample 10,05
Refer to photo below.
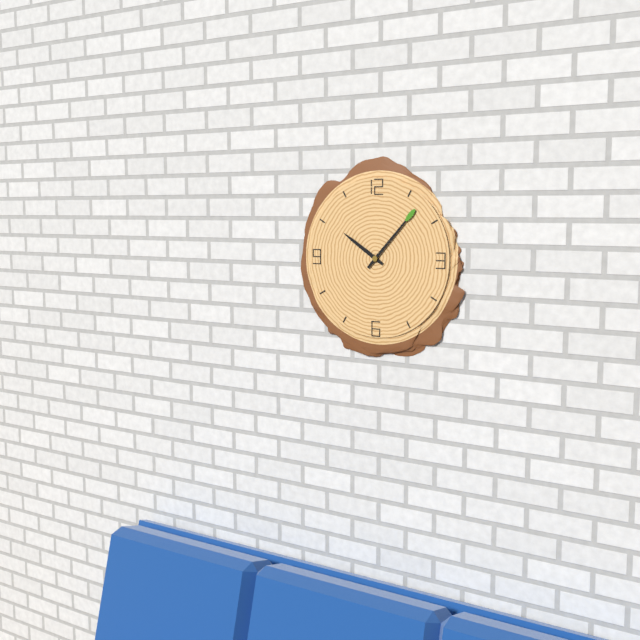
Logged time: 10,07
